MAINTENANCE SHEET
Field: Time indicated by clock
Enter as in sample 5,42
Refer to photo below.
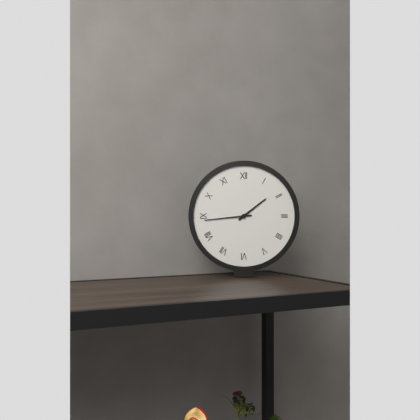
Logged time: 1,44
